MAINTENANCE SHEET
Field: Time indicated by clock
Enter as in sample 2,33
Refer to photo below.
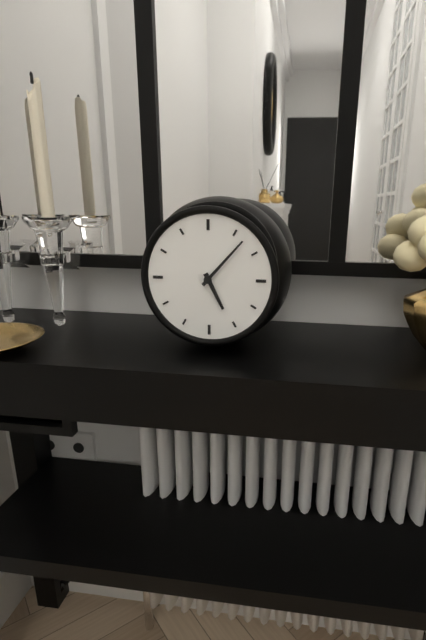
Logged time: 5,07
